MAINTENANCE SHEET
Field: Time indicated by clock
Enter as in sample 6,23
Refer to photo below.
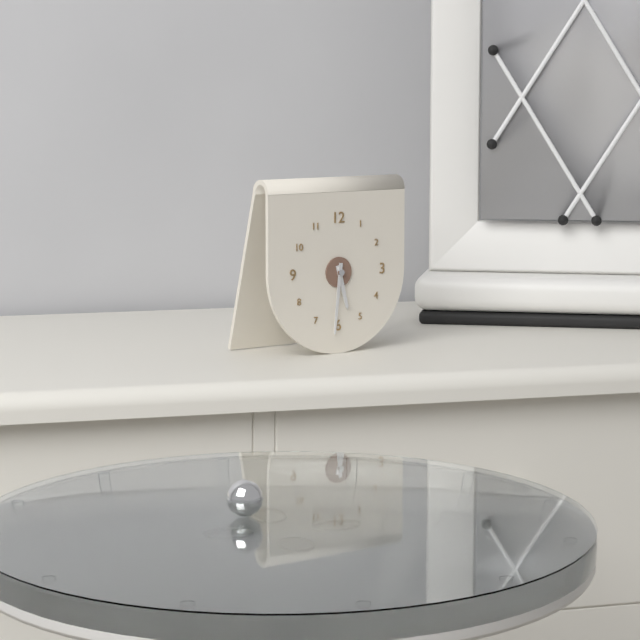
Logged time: 5,31
